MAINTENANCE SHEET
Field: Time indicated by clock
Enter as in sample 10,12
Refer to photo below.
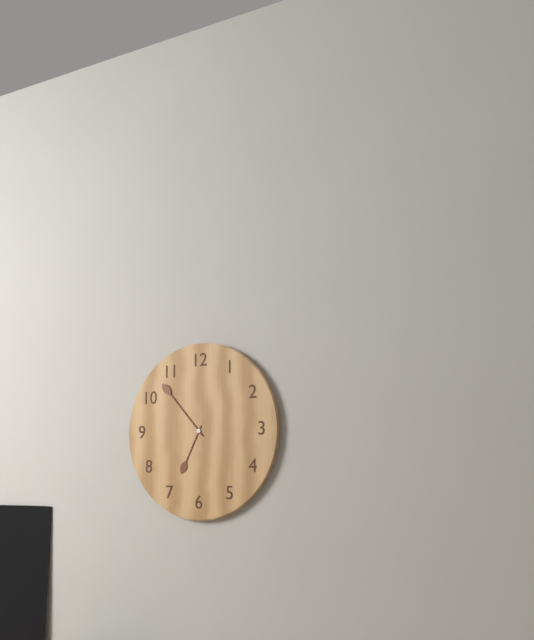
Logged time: 6,53
